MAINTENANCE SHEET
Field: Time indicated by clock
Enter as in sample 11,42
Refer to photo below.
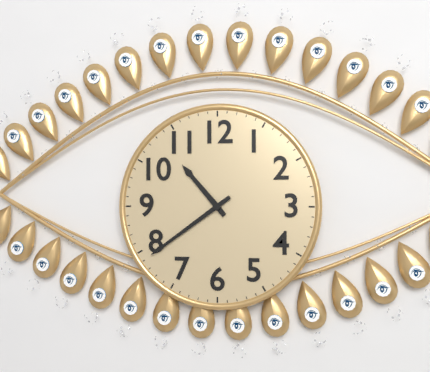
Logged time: 10,39
